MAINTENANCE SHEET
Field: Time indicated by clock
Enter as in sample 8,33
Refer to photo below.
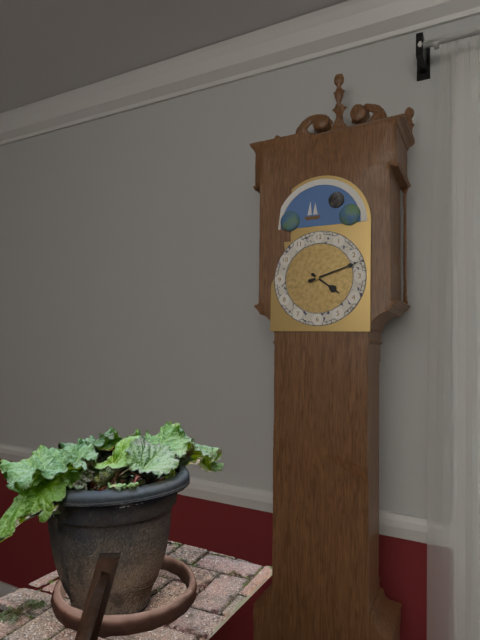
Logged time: 4,12
